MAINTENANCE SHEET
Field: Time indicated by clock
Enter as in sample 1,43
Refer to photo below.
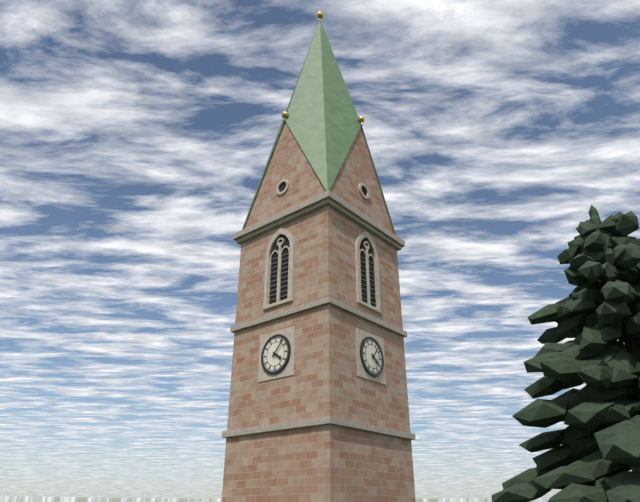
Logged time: 4,07
